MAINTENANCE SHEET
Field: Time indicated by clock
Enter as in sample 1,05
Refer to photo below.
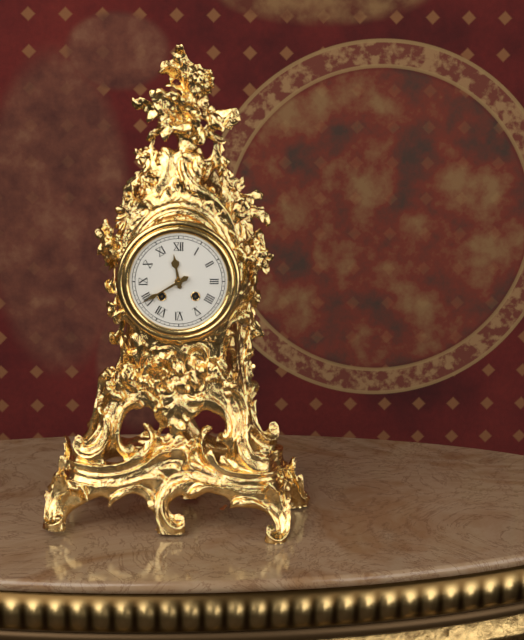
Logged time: 11,40
